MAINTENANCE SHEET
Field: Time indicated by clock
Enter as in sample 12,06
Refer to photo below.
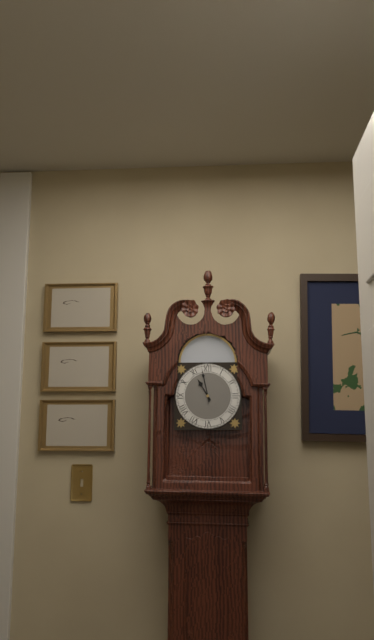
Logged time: 10,58
